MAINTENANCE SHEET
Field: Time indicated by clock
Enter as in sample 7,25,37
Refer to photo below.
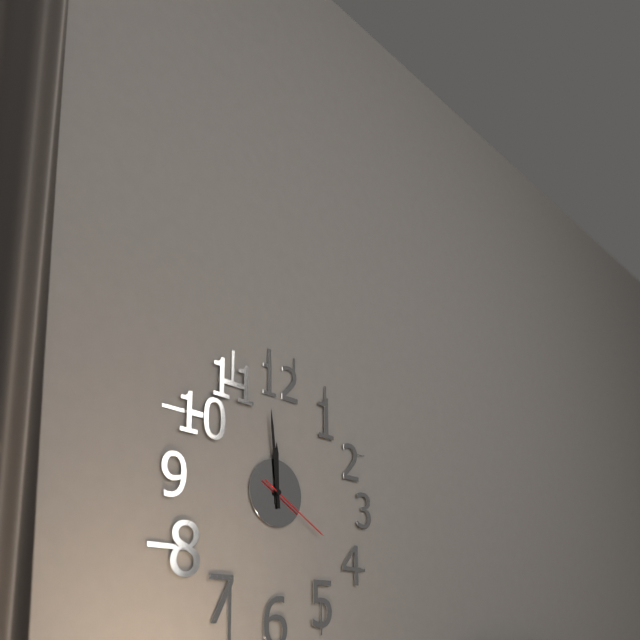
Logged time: 11,59,20
